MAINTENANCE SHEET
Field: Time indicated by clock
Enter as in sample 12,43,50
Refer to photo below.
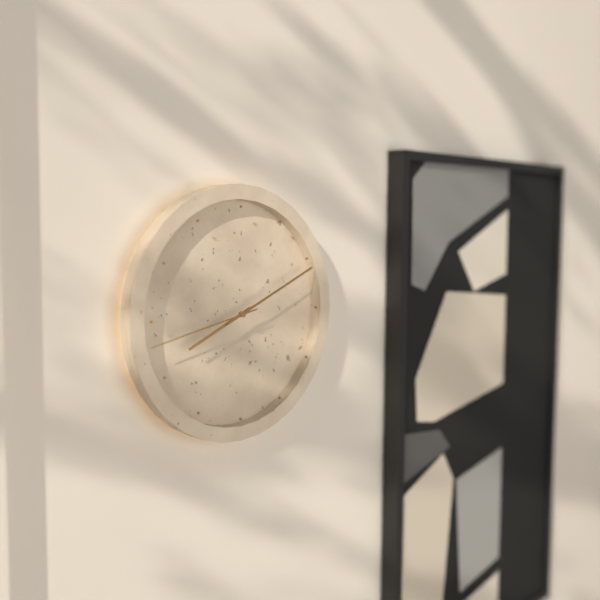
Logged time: 8,11,43
